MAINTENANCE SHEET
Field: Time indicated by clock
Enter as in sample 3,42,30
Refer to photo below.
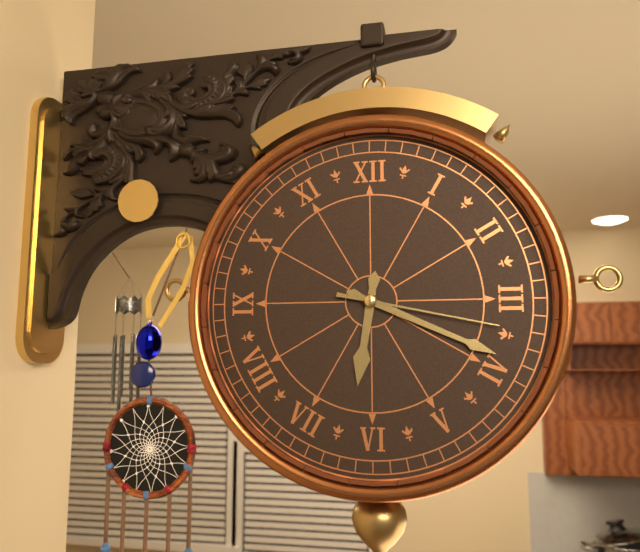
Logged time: 6,19,17
